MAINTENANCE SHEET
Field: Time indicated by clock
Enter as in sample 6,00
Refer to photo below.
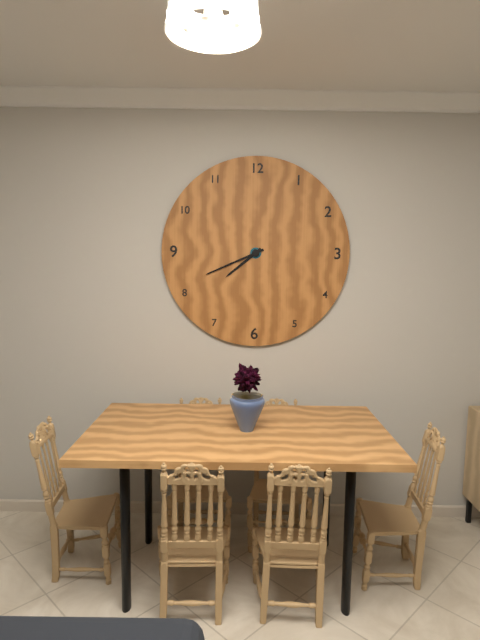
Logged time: 7,41
